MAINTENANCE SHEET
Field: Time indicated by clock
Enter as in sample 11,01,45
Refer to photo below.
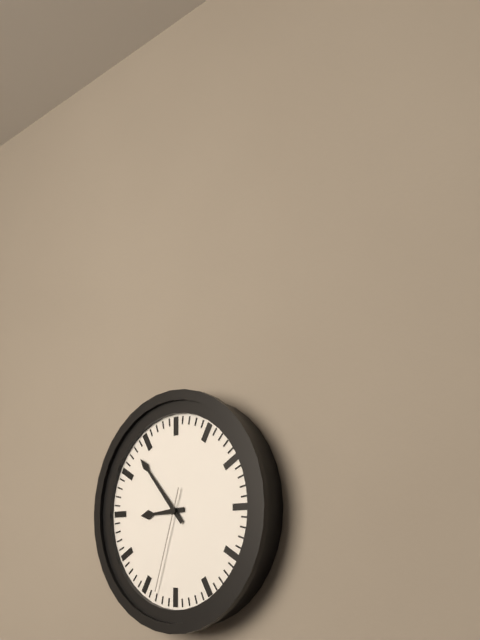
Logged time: 8,53,33
